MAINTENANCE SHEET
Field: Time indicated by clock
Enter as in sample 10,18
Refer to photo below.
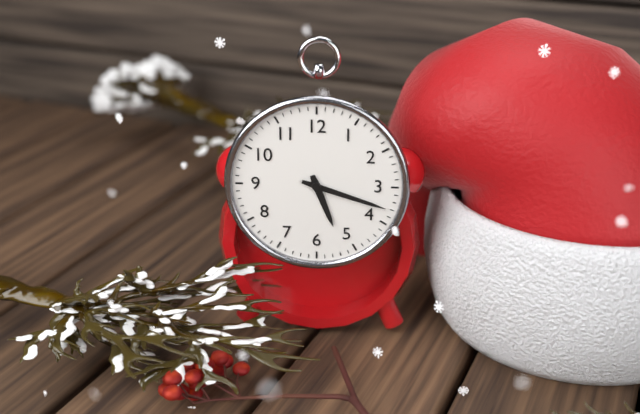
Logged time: 5,18
